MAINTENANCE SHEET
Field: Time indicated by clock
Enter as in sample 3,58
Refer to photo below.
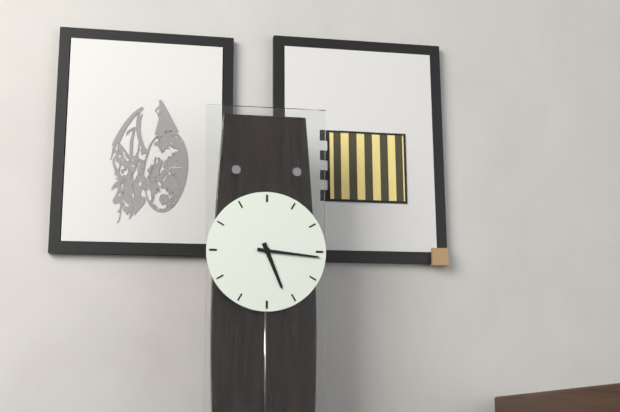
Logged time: 5,16
